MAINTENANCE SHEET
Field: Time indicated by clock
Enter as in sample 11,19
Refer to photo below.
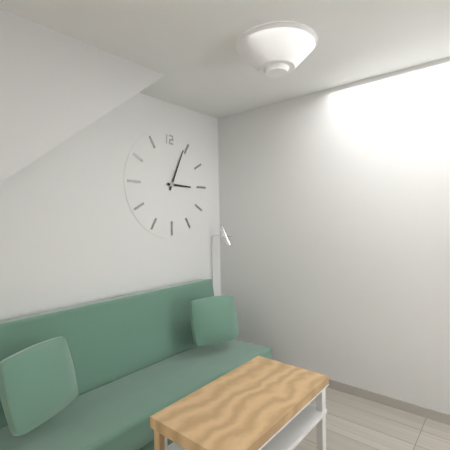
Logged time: 3,04
